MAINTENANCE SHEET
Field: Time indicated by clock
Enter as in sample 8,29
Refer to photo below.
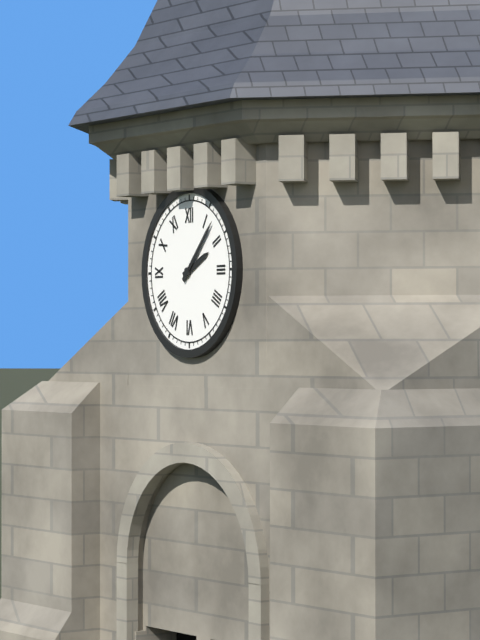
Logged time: 2,07
